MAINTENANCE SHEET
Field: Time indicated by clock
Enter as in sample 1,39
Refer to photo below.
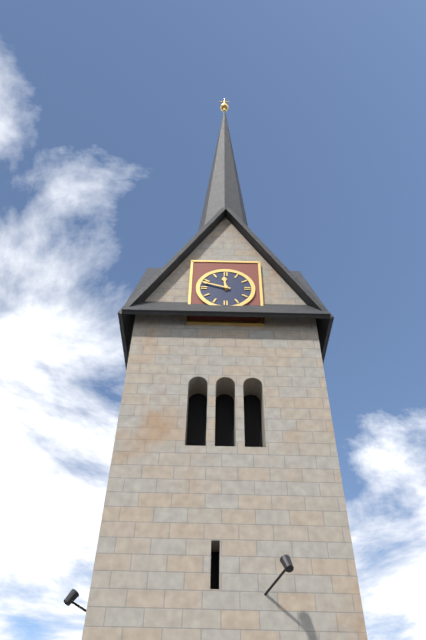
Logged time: 11,48
